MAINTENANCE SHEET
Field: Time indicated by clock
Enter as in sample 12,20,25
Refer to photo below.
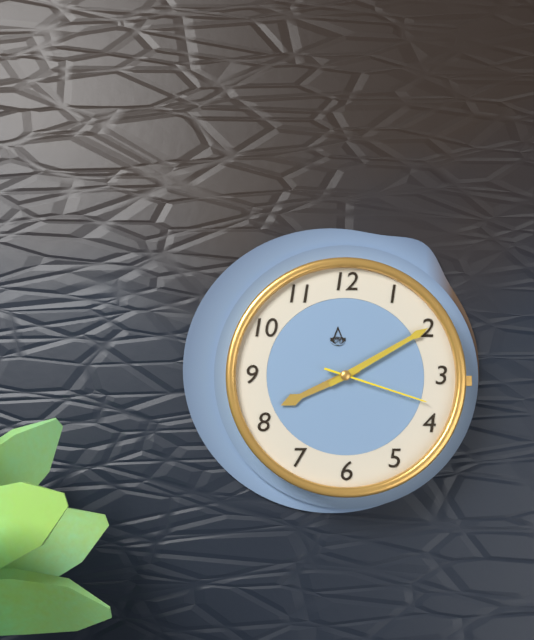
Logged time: 8,10,18
